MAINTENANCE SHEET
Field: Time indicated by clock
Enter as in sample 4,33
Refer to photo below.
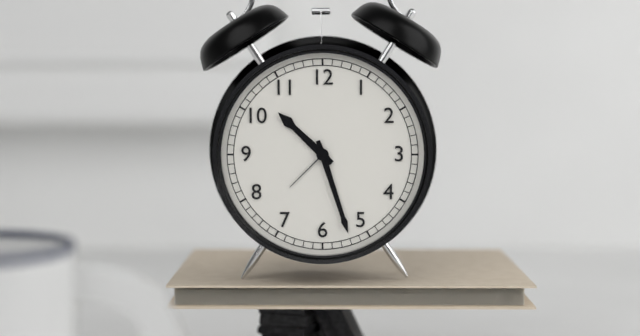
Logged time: 10,27
